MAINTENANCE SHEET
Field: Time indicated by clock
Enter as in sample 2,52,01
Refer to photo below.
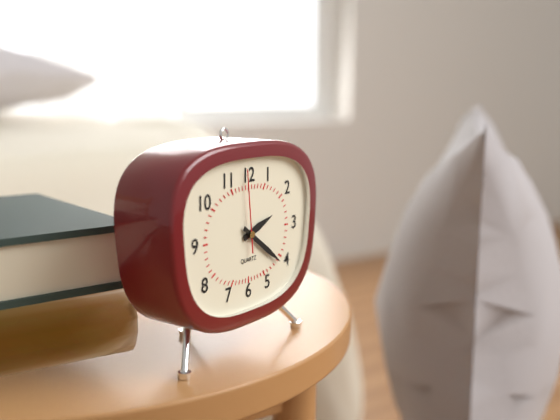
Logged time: 2,21,59
